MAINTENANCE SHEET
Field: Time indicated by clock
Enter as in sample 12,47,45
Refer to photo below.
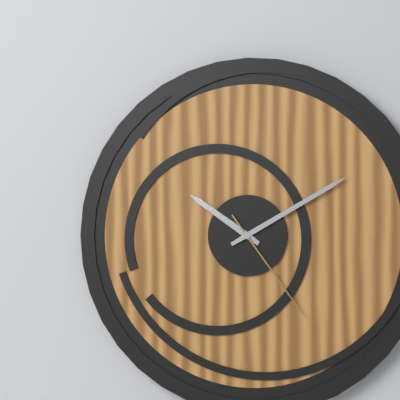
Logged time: 10,10,24
